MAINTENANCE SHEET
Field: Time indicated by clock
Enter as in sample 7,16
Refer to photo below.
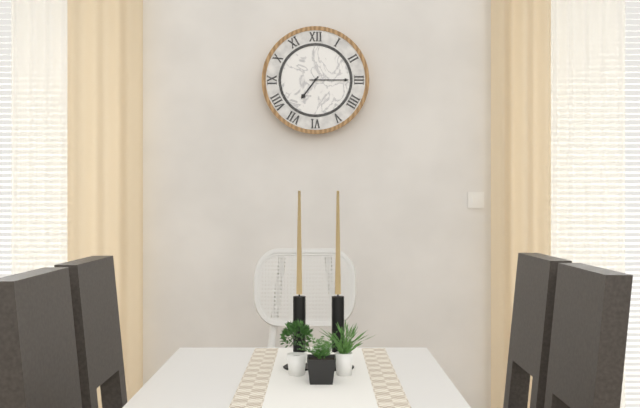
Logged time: 7,15
